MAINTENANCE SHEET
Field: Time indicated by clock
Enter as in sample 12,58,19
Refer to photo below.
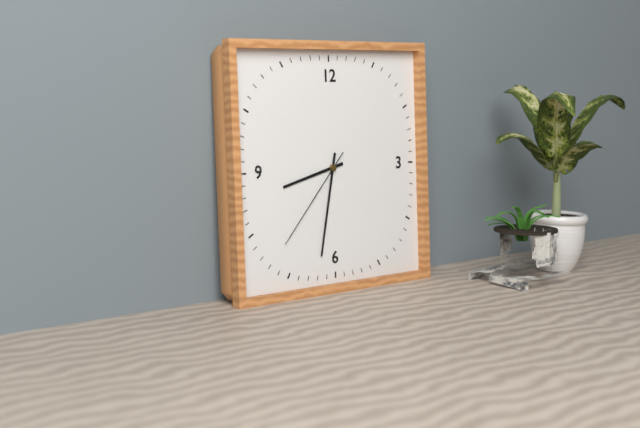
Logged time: 8,32,37
